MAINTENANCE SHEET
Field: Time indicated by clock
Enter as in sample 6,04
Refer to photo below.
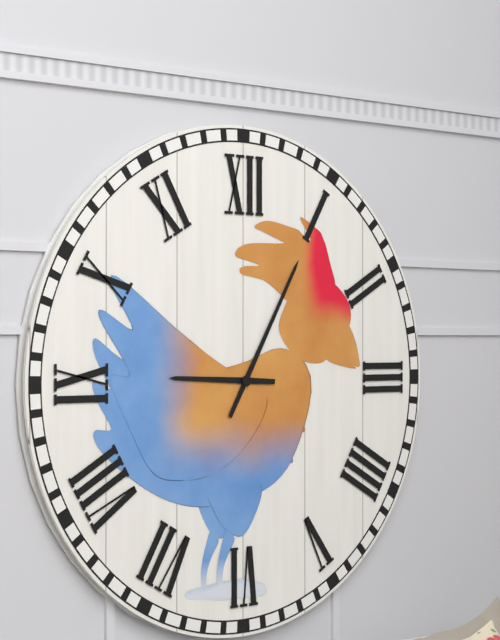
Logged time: 9,05
